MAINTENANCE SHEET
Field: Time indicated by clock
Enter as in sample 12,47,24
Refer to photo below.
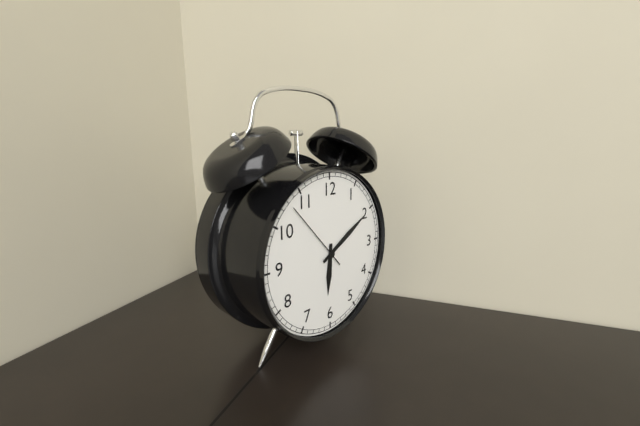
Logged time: 6,10,53
